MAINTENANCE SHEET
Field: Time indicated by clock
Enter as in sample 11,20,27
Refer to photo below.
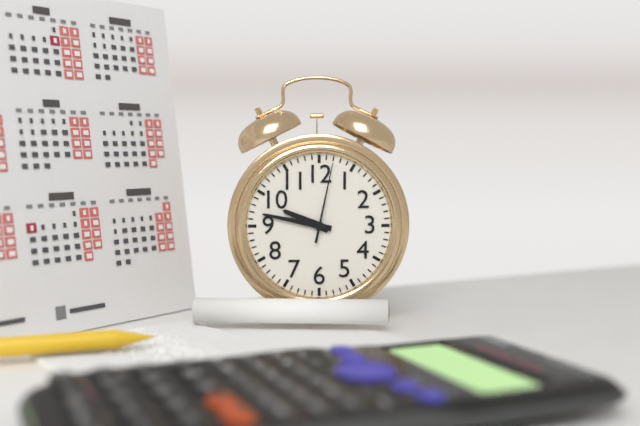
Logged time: 9,47,02
